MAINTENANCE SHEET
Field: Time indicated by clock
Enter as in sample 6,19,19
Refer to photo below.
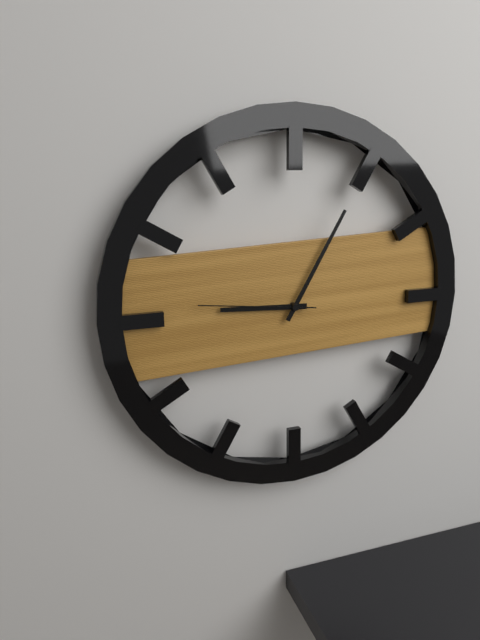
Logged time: 9,05,46
